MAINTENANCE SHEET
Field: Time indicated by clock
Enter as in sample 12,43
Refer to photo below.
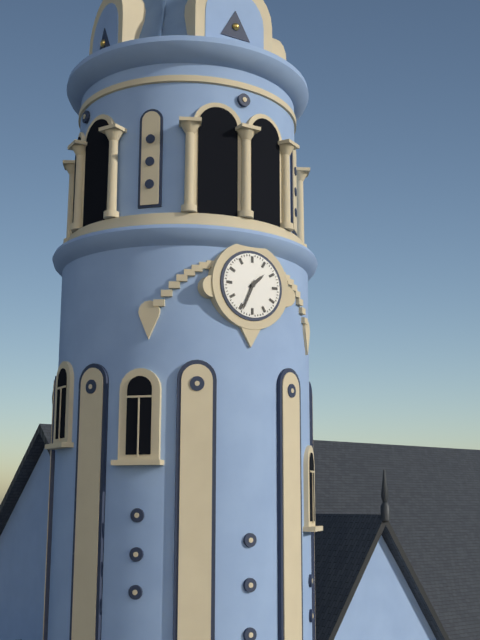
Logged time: 1,34
